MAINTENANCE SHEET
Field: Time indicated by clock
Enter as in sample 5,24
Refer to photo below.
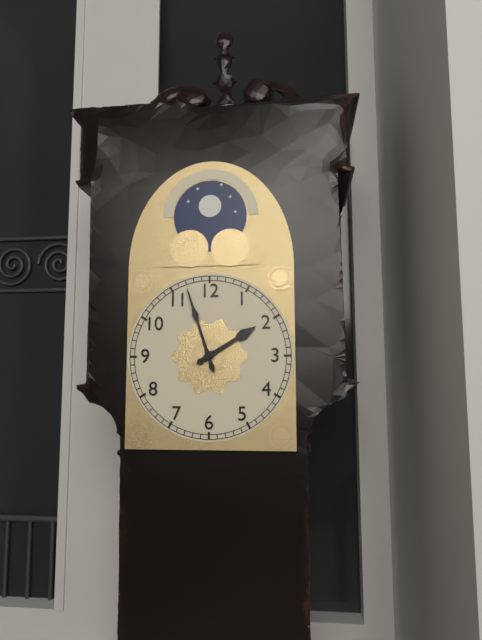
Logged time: 1,57
